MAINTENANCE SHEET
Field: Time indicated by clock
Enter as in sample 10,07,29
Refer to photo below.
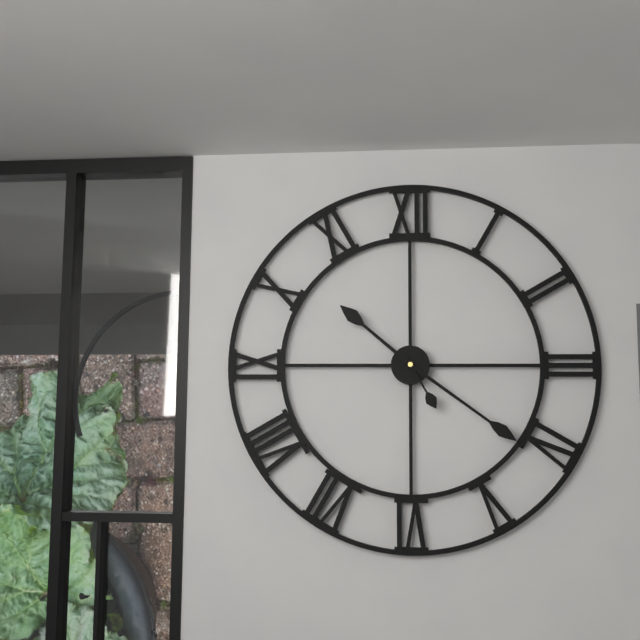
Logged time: 10,21,25
